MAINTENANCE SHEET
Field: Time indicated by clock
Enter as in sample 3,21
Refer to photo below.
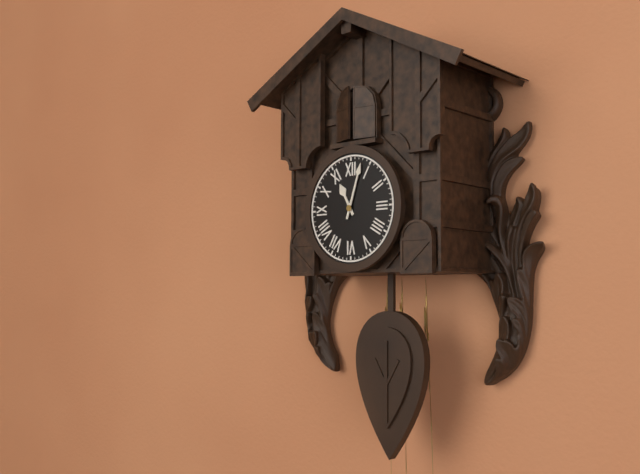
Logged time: 11,03
